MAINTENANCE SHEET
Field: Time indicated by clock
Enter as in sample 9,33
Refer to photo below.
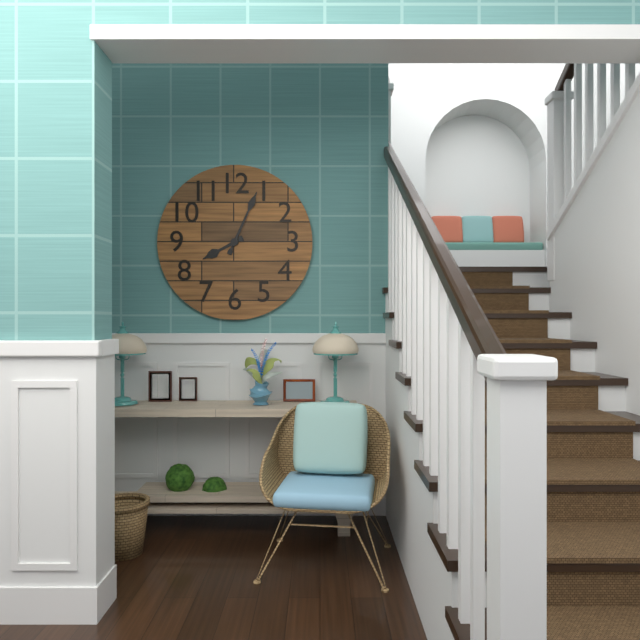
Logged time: 8,04
